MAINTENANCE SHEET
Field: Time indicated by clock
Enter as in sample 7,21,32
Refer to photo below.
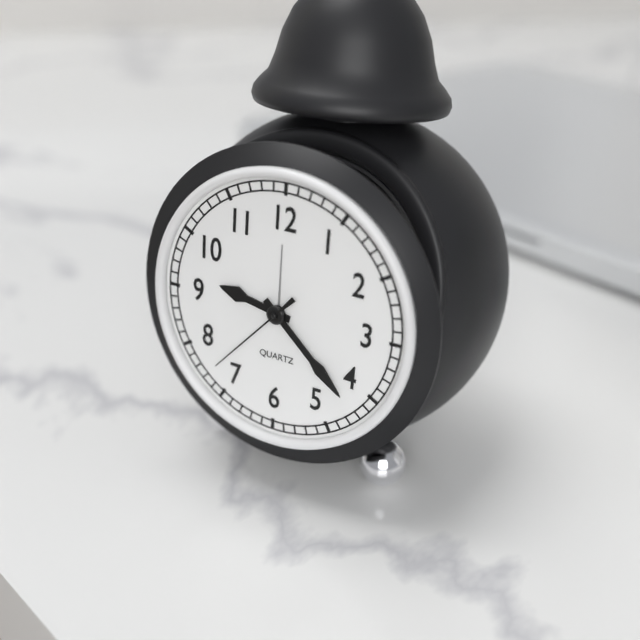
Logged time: 9,22,37
